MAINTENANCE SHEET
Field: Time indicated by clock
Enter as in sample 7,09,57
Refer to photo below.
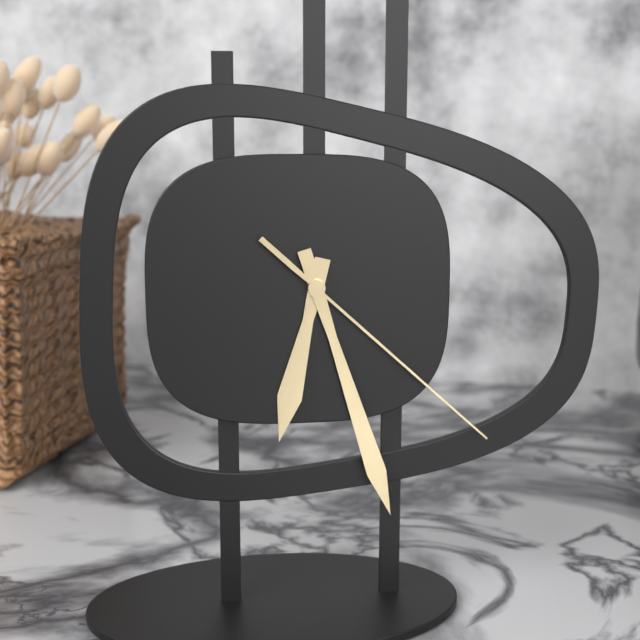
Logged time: 6,27,22
